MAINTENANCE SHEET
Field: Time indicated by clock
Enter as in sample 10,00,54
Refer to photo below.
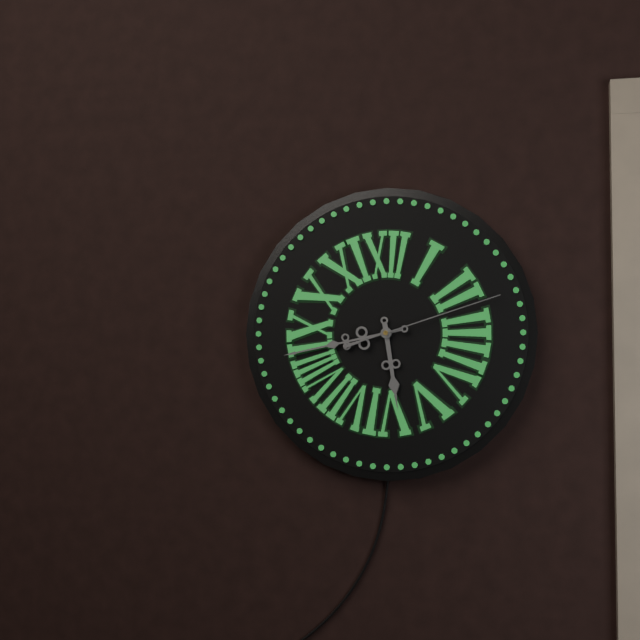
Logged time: 5,43,12
